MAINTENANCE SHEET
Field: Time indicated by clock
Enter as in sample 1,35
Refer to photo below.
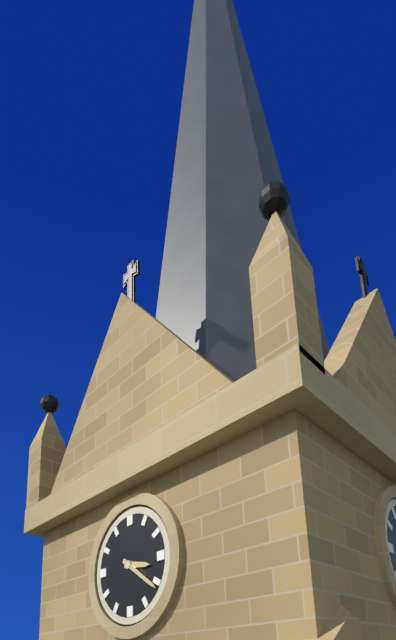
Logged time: 3,21
